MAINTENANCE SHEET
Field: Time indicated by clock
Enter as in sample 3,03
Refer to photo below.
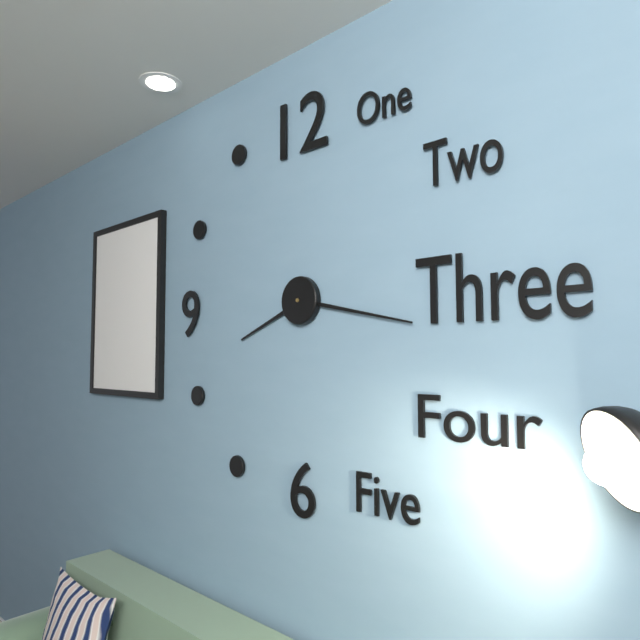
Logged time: 8,17
